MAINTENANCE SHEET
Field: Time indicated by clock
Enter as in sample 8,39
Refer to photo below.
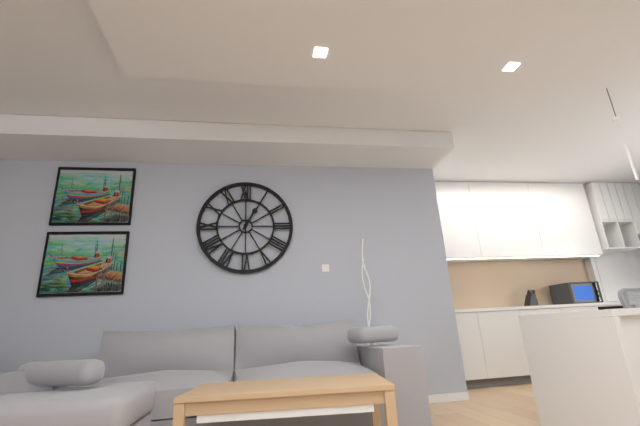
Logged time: 1,00
